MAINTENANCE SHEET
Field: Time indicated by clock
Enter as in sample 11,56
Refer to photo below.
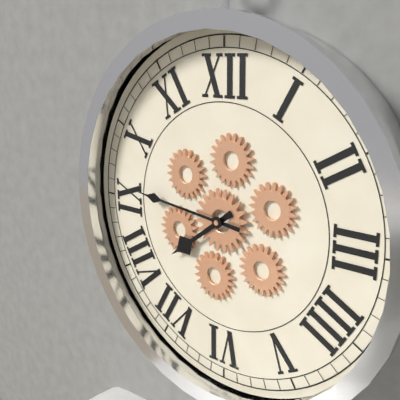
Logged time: 7,46
